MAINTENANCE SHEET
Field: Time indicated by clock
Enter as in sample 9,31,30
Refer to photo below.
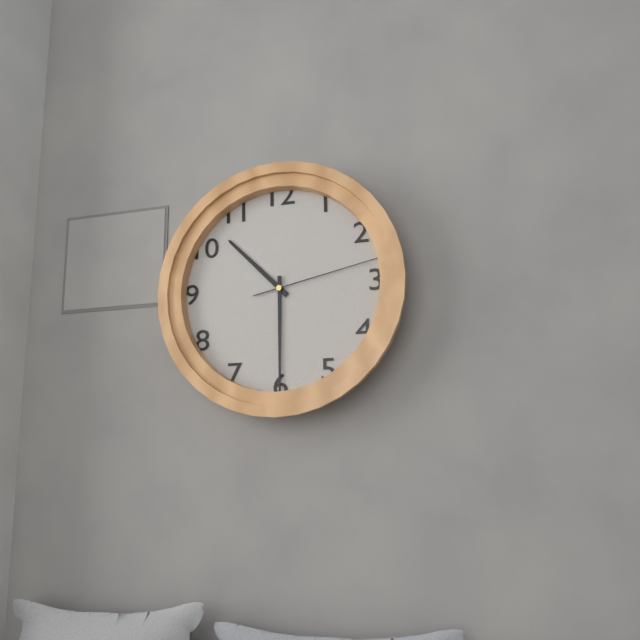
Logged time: 10,30,13
